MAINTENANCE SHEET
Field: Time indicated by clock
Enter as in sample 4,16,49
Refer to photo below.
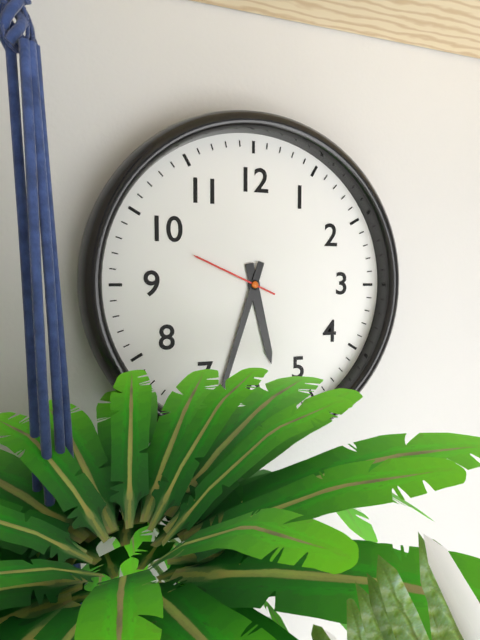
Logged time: 5,33,49
